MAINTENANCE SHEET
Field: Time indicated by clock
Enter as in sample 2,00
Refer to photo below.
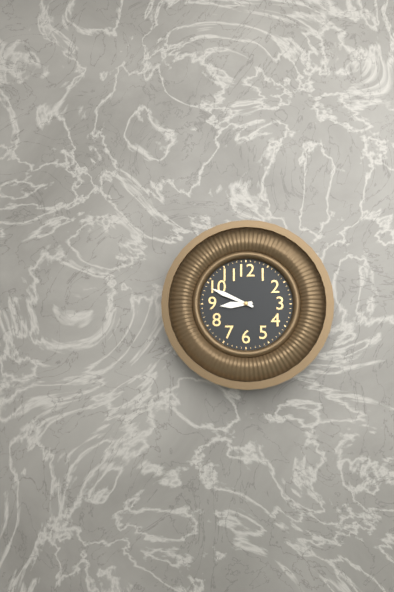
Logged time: 8,49
